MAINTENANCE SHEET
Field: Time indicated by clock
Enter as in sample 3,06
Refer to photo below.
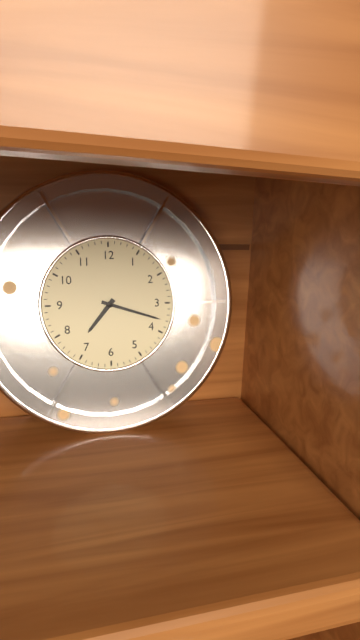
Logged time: 7,18
